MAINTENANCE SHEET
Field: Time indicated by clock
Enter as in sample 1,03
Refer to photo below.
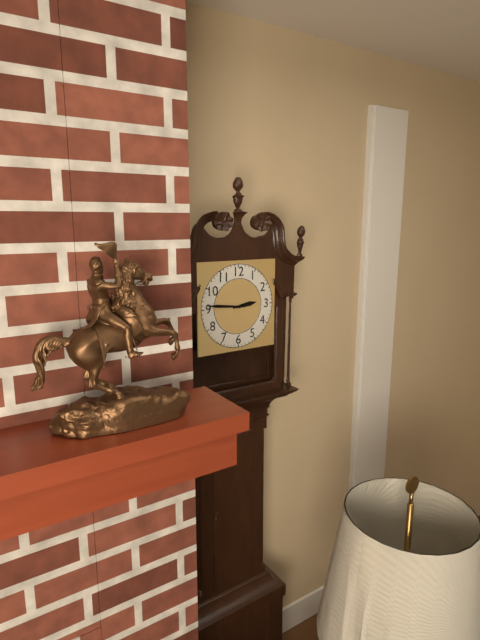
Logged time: 2,46
